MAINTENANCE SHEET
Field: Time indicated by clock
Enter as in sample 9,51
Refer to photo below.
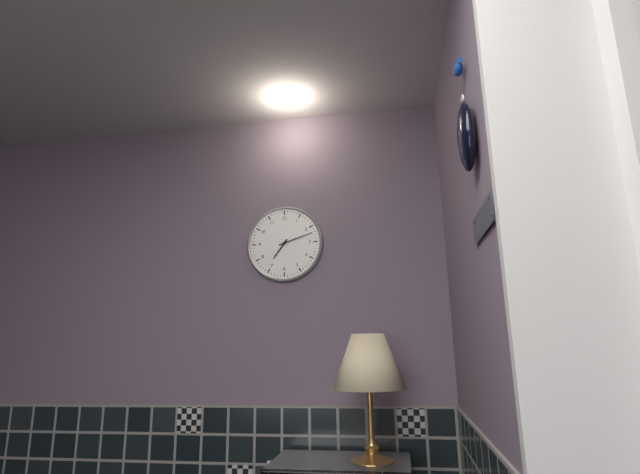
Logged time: 7,12
